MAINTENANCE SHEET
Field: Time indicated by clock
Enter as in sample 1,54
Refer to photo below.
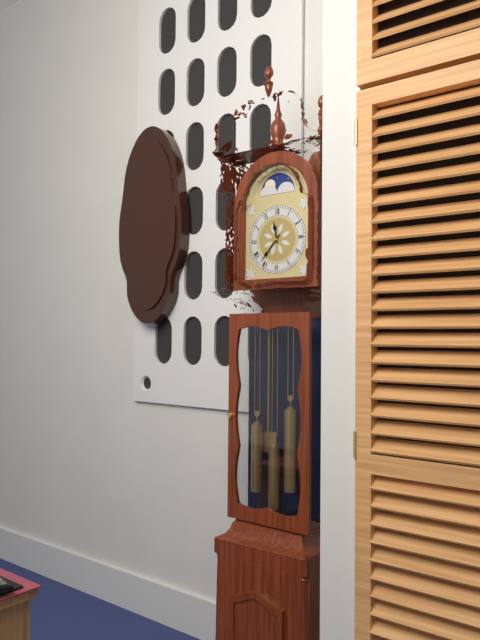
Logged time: 11,37
